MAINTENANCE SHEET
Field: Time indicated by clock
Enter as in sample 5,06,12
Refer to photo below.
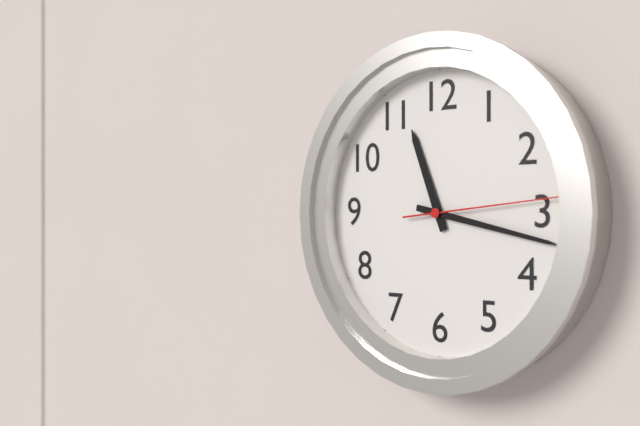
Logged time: 11,17,14
